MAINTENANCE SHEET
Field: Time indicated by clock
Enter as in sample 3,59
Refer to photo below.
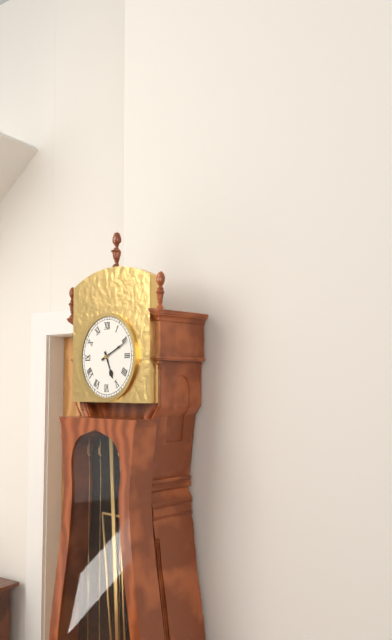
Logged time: 5,11
